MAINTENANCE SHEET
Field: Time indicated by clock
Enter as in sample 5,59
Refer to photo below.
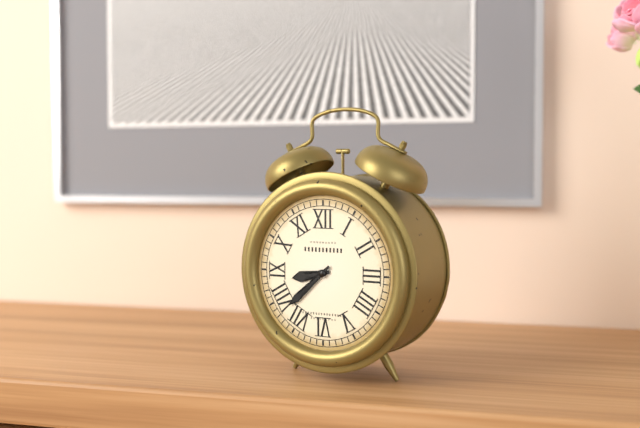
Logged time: 8,38
